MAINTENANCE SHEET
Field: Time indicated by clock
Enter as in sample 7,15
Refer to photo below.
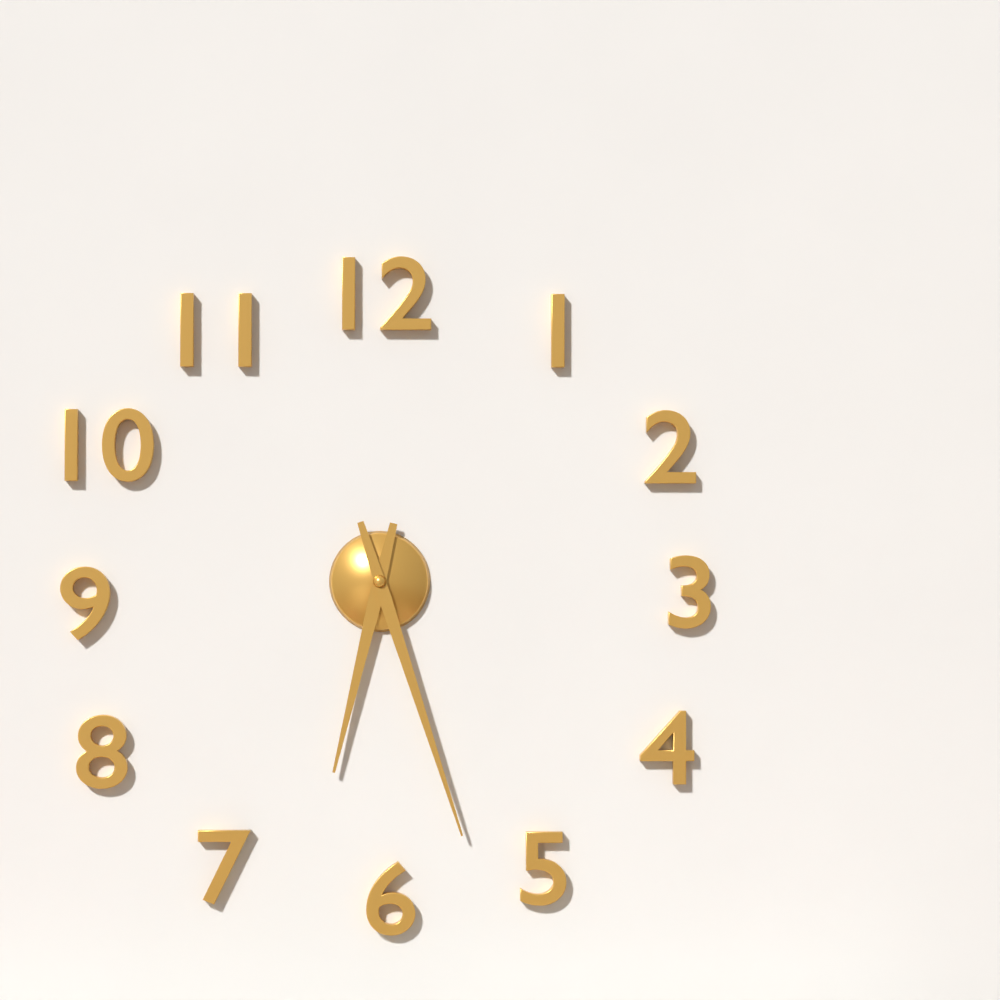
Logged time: 6,27
